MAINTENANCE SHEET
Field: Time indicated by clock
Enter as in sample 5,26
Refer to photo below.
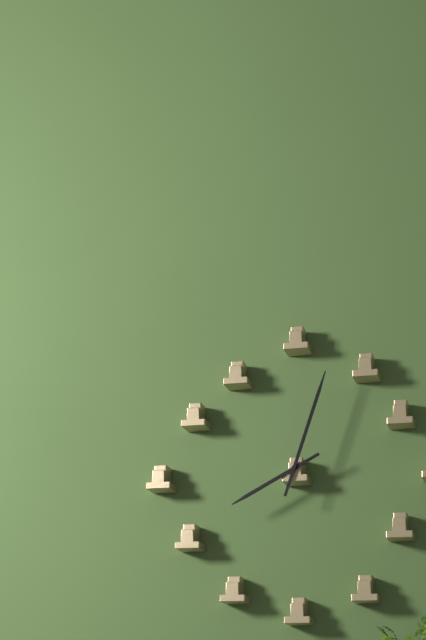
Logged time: 8,03
